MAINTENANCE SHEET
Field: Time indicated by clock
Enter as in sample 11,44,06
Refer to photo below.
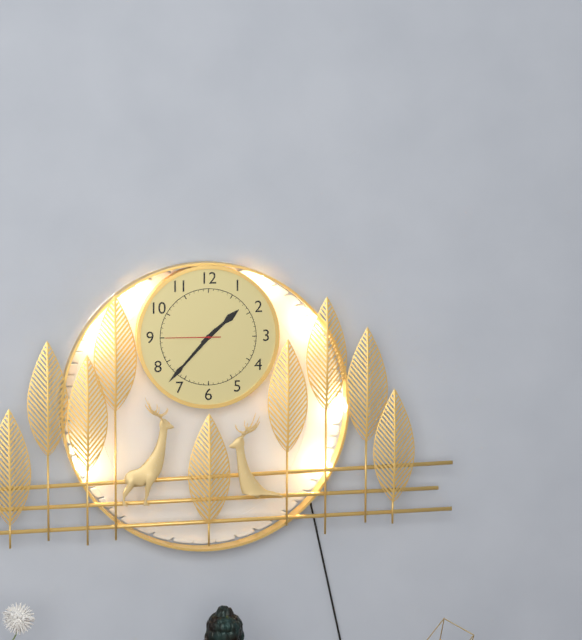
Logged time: 1,37,45
